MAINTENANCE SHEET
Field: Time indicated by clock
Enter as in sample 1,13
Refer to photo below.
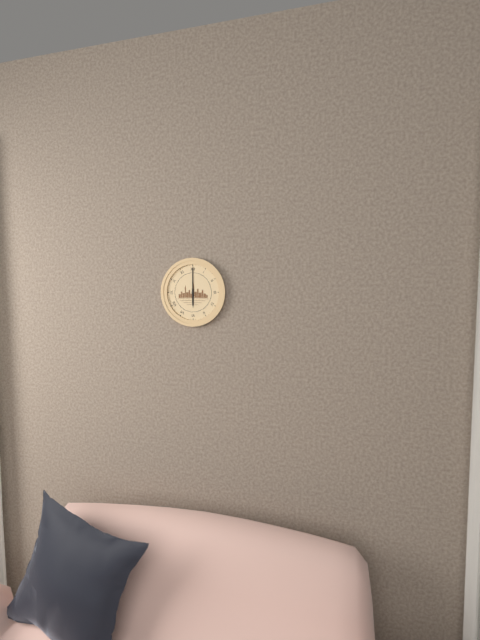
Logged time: 6,00
